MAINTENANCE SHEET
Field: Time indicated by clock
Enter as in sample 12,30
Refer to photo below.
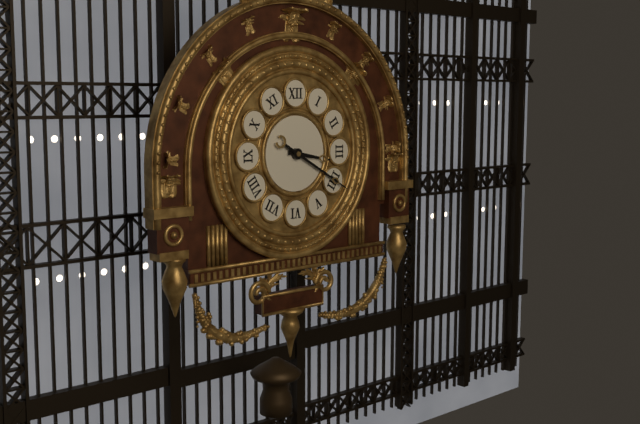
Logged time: 3,20
